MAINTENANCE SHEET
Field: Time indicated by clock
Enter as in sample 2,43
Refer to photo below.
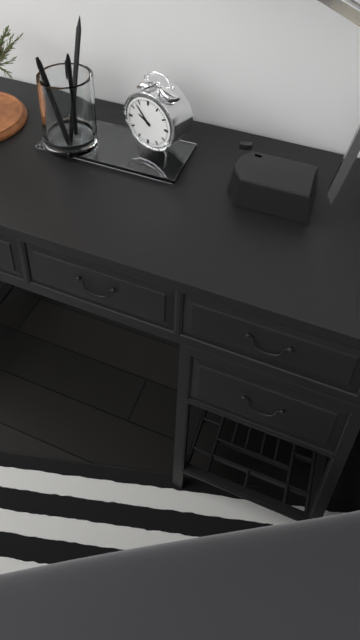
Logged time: 9,53
